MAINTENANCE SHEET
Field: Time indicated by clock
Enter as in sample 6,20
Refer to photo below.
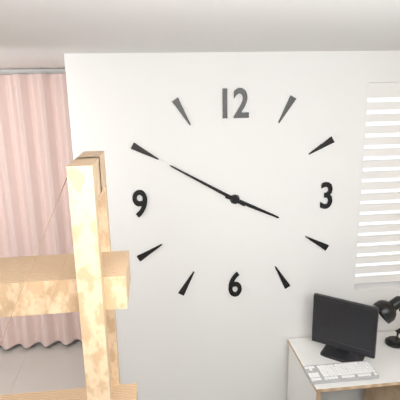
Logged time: 3,50
